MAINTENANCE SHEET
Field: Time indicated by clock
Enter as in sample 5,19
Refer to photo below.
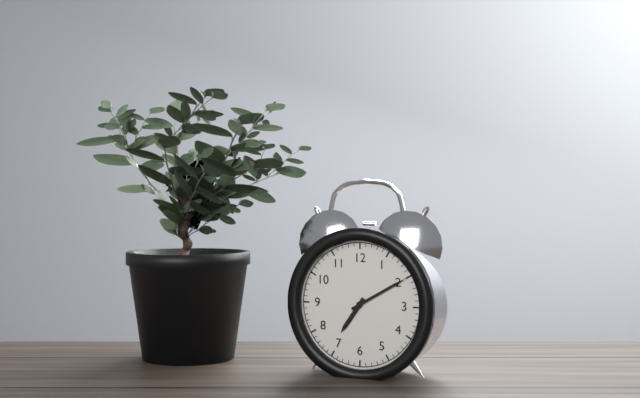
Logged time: 7,10
